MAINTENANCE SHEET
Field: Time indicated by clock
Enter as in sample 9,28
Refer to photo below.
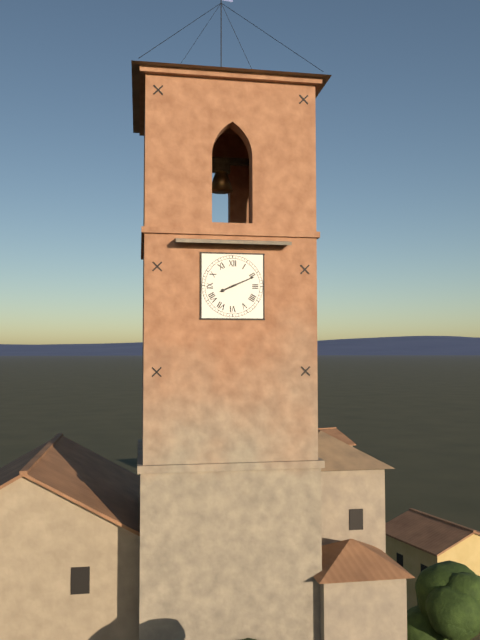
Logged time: 8,11
